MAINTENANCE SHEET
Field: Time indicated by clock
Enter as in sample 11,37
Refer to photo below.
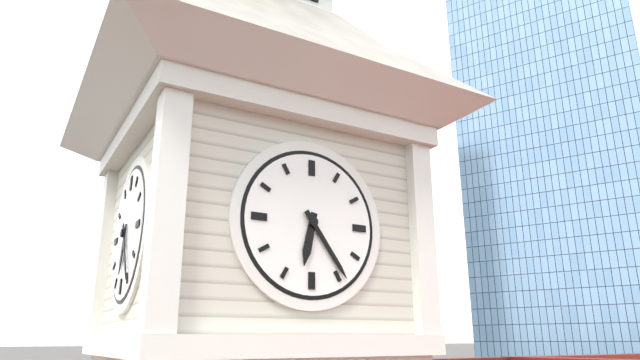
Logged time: 6,24
